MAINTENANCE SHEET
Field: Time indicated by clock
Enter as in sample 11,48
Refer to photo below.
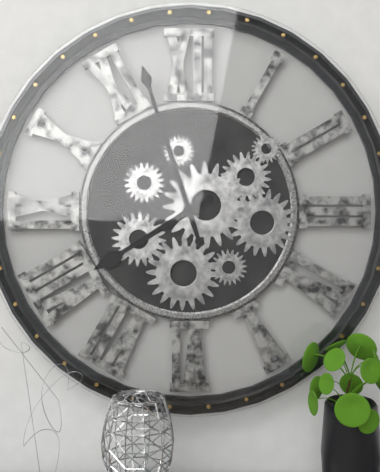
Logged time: 7,57
